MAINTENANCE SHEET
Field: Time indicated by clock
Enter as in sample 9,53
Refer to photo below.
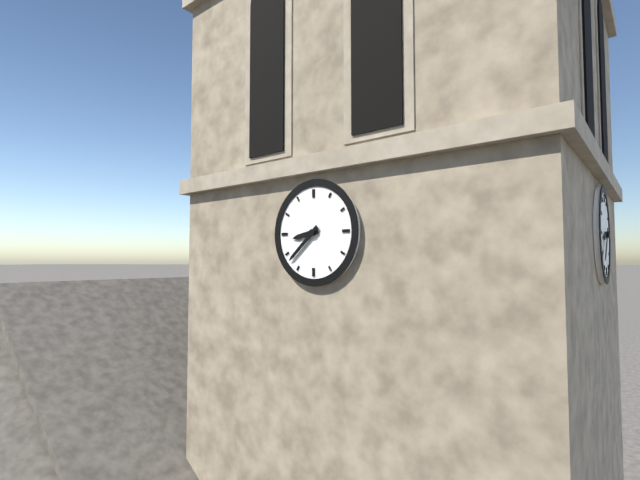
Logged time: 8,38
